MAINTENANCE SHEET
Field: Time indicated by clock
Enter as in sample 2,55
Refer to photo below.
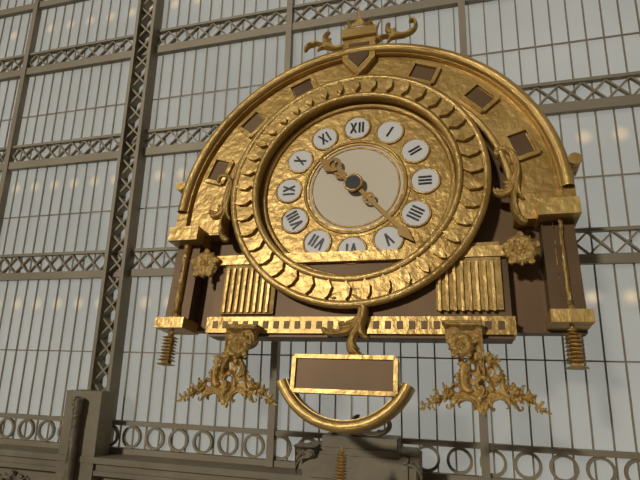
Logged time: 10,23
